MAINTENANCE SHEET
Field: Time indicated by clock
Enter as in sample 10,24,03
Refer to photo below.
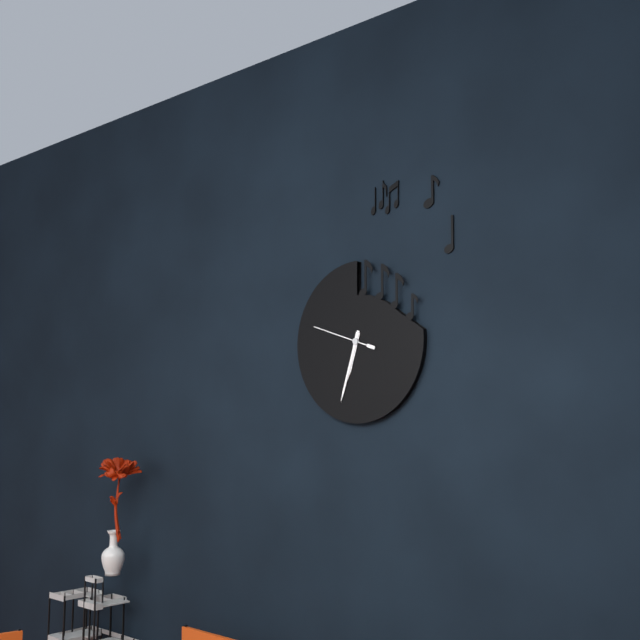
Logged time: 6,33,48
